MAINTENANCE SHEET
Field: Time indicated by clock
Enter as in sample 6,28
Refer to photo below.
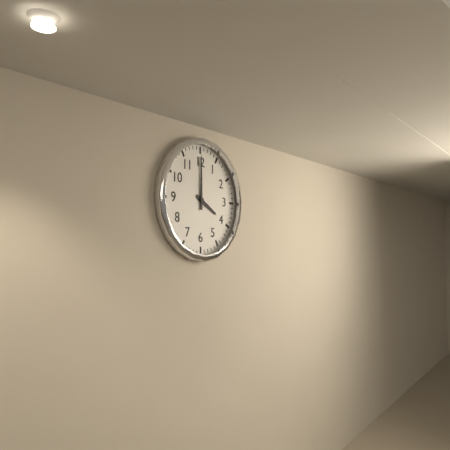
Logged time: 4,00
